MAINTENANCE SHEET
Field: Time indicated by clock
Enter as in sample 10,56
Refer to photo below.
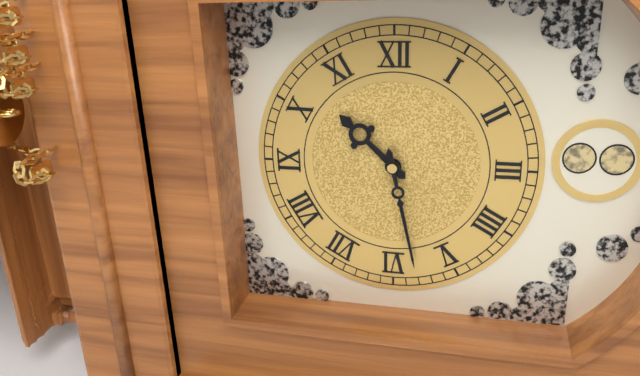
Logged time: 10,28
